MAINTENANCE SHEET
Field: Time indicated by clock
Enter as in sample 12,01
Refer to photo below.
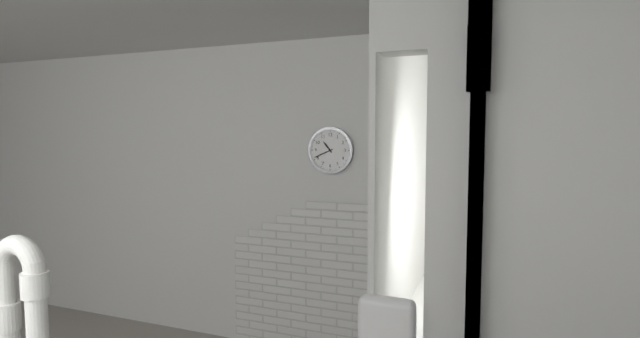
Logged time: 10,41
